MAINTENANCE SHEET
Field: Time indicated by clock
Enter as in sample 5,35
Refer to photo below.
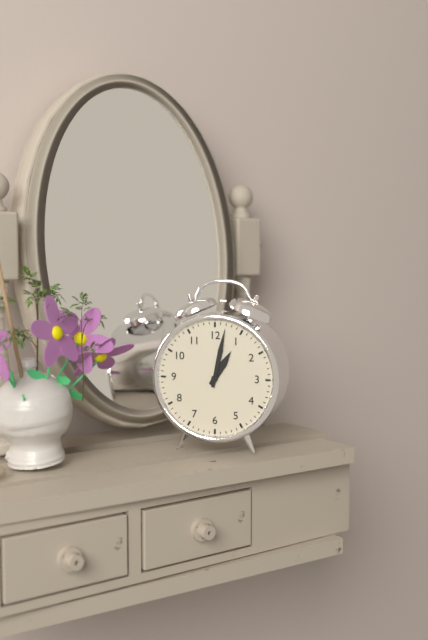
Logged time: 1,02
